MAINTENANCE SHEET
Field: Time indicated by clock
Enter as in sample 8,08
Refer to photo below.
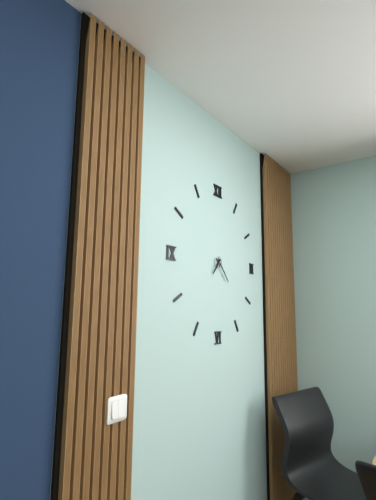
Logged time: 7,23
